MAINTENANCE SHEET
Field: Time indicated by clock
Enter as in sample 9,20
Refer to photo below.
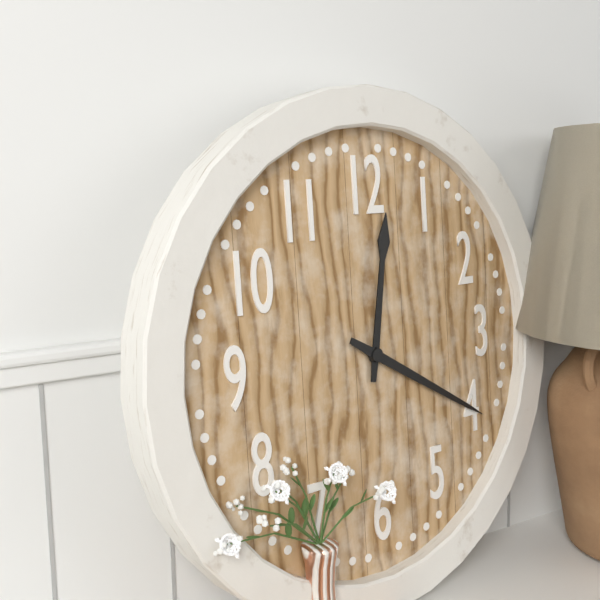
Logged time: 12,20
